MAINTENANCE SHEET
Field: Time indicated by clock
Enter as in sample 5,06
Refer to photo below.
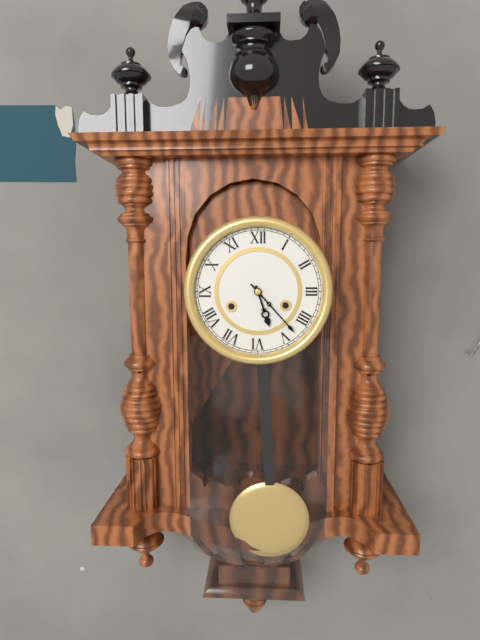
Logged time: 5,23
